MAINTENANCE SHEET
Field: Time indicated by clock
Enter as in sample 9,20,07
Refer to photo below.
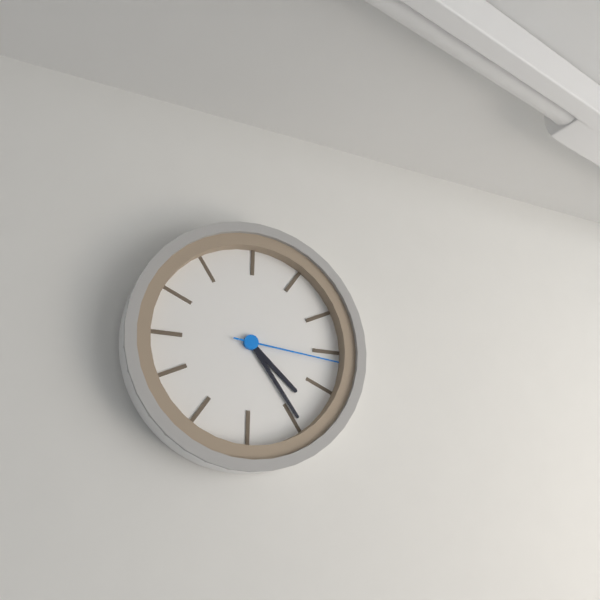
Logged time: 4,24,16
